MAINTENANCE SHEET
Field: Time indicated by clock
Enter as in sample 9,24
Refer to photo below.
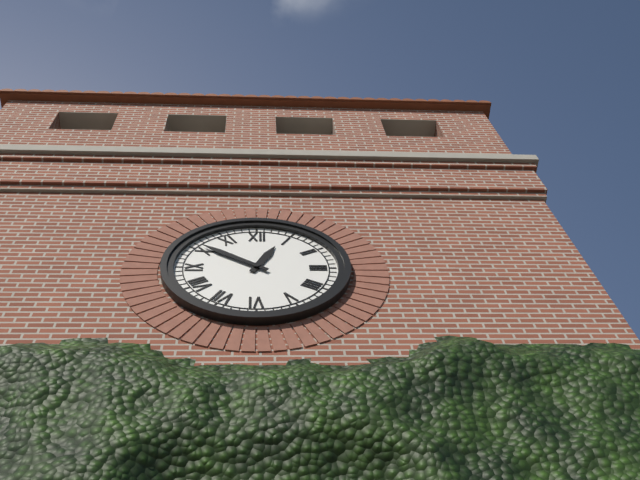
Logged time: 12,51
